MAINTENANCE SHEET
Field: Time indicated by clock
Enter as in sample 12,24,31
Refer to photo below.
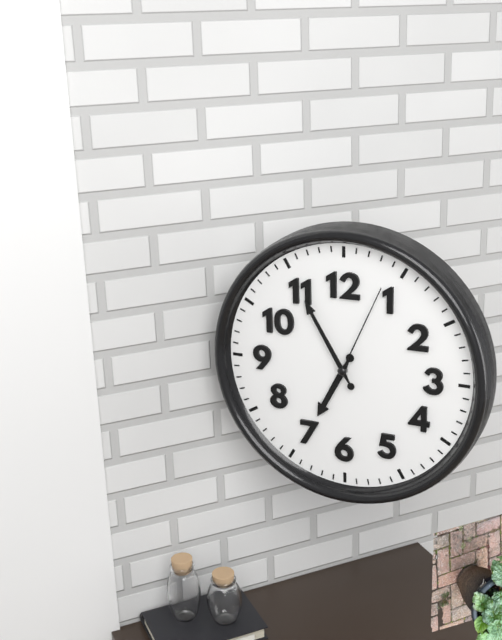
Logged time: 6,55,04
